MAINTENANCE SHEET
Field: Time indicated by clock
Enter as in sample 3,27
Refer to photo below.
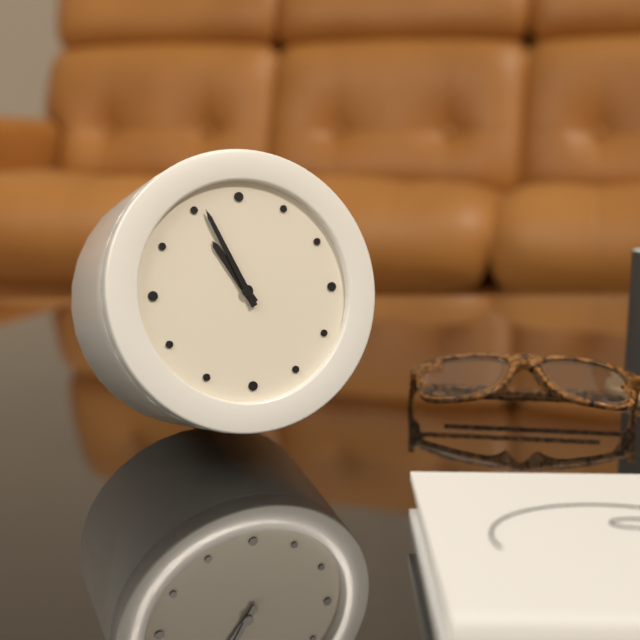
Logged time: 10,56
